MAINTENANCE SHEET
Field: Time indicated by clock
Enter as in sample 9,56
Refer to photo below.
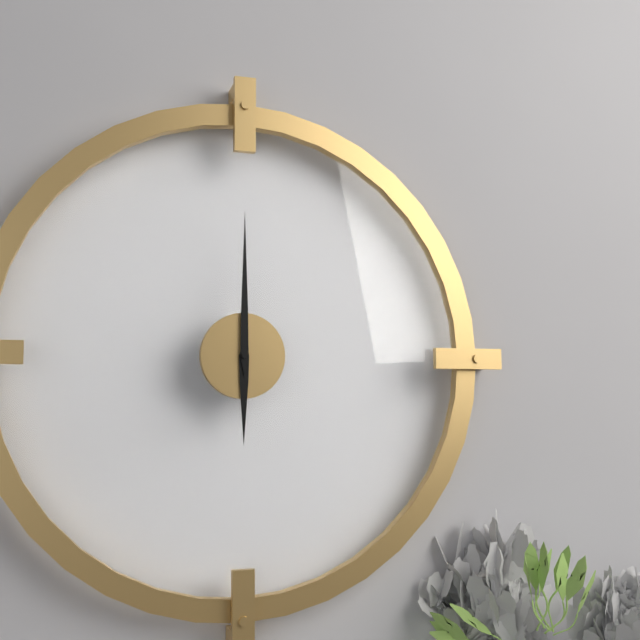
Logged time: 6,00
